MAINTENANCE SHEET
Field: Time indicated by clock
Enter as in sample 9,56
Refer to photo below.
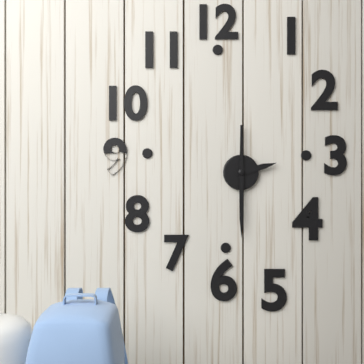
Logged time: 2,30
